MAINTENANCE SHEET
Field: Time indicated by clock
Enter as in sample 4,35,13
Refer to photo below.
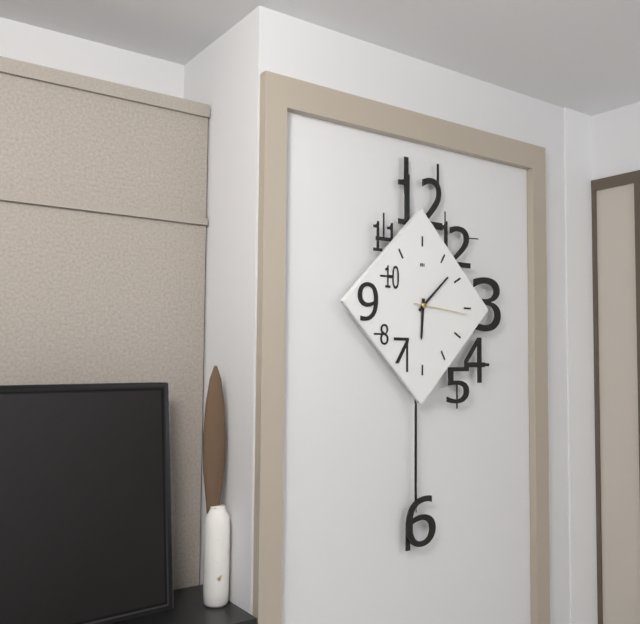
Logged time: 6,08,16
